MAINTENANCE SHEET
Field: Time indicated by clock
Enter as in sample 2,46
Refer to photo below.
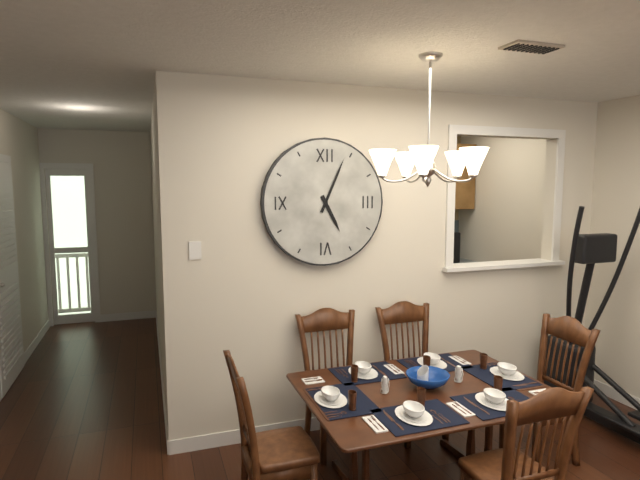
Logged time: 5,04
